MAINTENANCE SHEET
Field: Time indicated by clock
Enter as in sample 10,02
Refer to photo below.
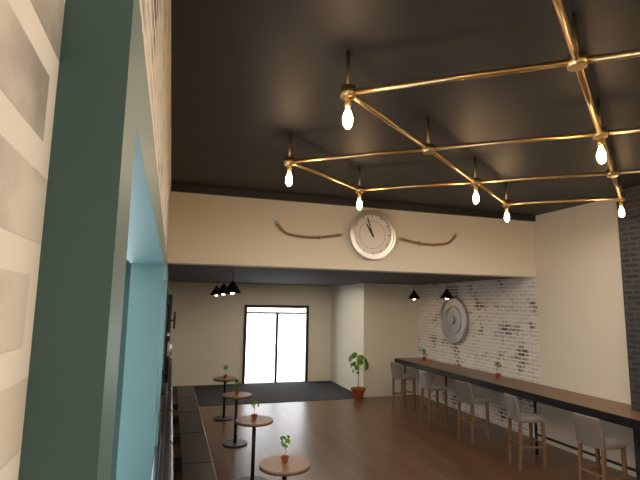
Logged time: 10,57
